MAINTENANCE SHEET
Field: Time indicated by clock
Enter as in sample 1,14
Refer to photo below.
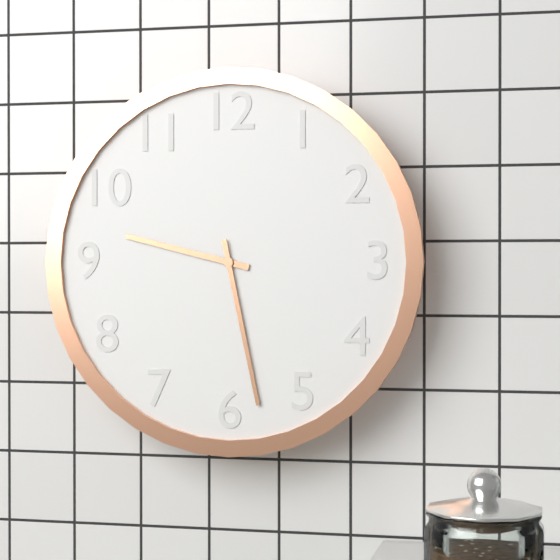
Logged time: 9,28
